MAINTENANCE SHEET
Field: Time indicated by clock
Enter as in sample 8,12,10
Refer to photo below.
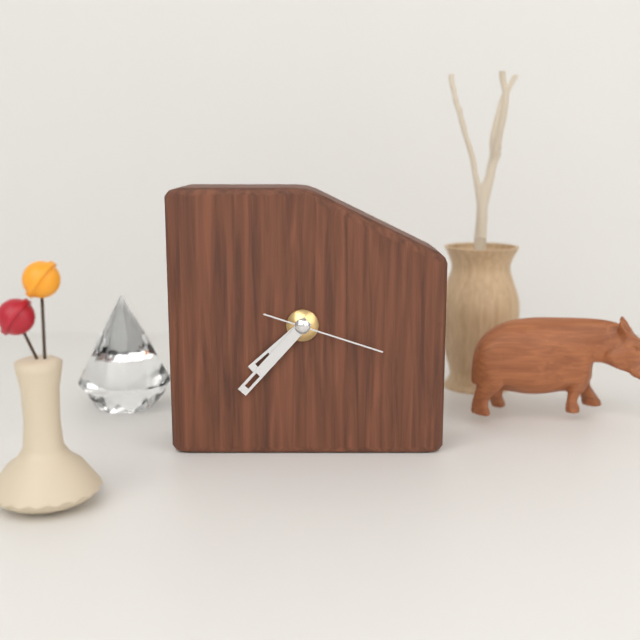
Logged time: 7,37,18
